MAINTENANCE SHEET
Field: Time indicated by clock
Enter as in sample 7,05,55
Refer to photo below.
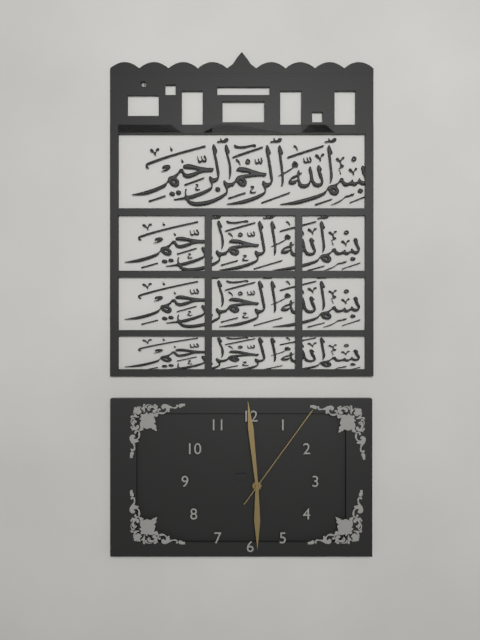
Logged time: 5,59,06
